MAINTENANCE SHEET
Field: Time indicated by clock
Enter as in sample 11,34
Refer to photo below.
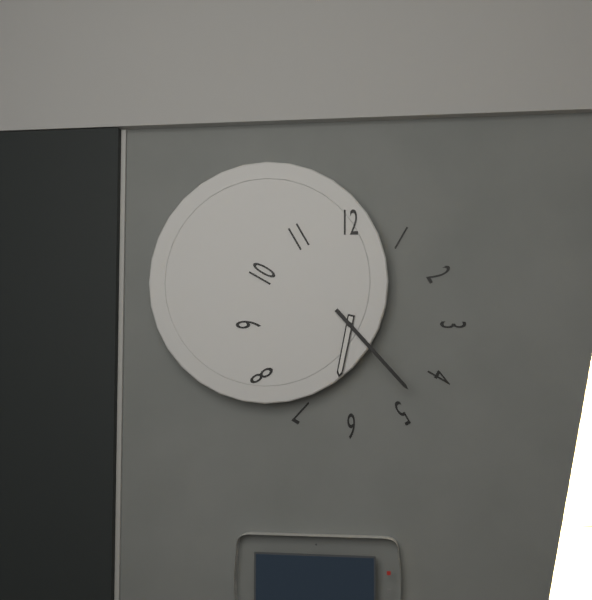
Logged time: 6,23
